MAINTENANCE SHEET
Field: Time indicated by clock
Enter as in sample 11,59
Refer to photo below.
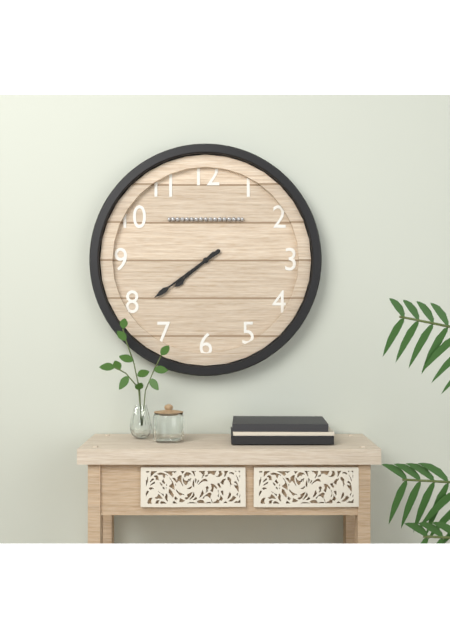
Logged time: 7,39
